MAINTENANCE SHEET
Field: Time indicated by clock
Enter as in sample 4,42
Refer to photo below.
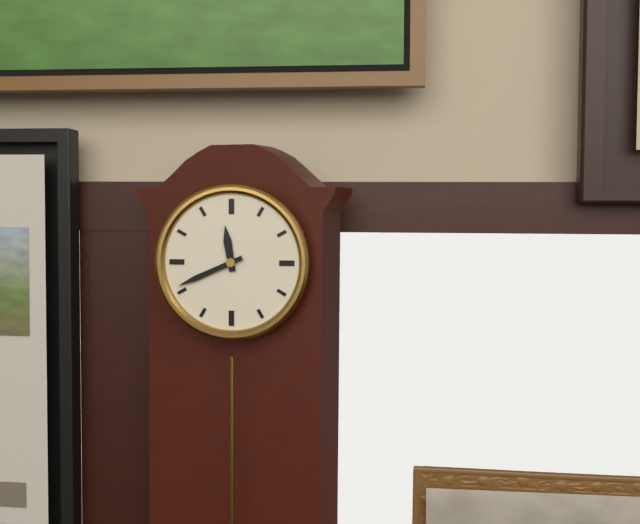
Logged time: 11,41
